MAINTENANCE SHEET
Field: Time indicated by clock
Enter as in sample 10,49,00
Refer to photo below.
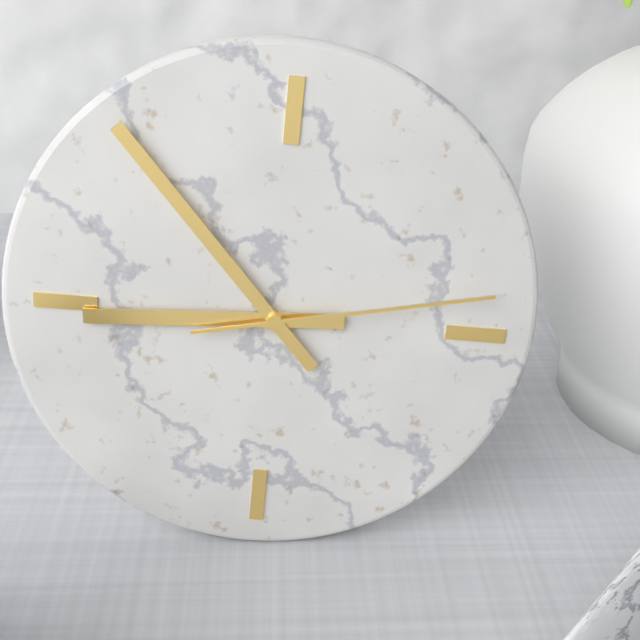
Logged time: 8,53,13
